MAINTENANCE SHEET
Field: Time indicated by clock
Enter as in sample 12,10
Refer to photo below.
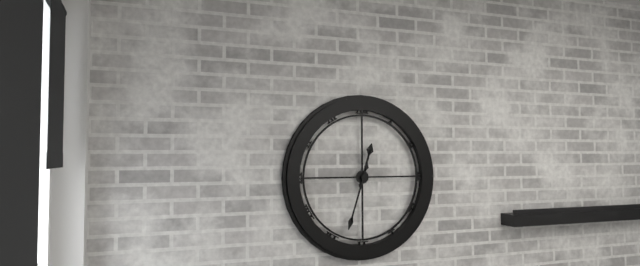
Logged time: 12,33
